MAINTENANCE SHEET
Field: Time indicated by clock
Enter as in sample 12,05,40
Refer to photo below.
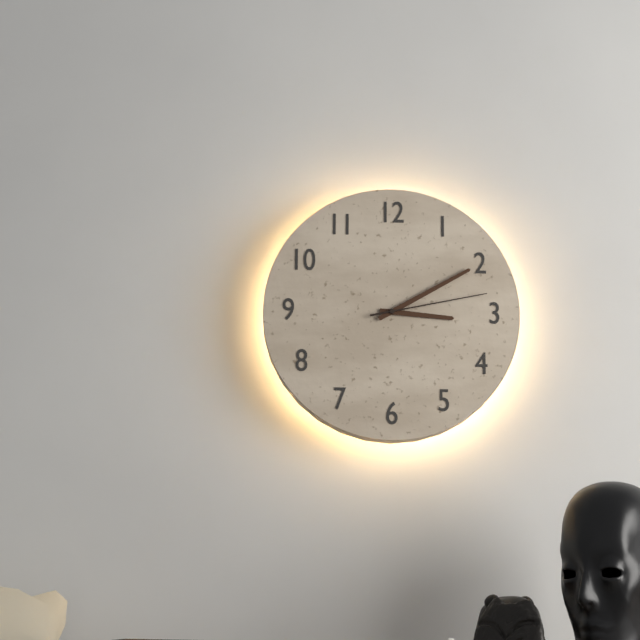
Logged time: 3,10,13
